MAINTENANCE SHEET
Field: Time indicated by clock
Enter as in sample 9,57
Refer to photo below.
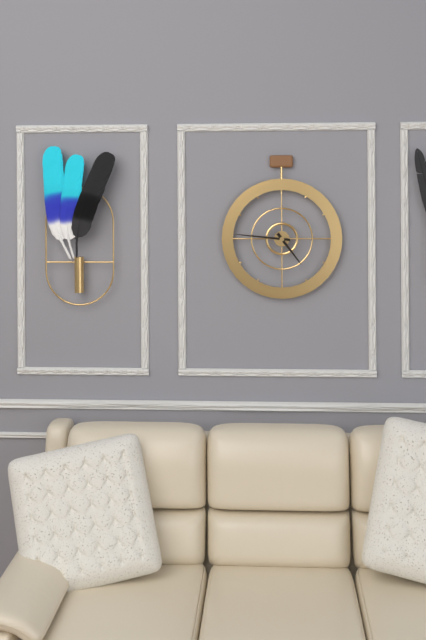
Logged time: 4,46
